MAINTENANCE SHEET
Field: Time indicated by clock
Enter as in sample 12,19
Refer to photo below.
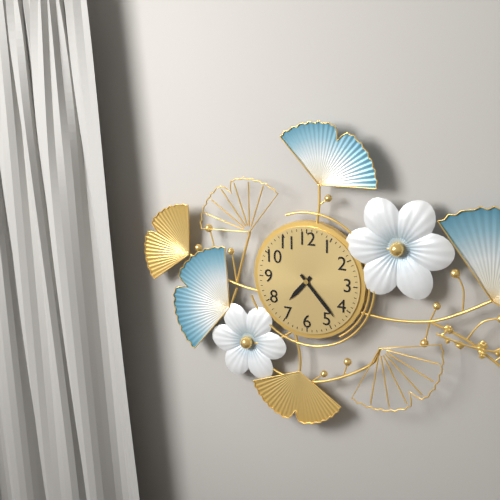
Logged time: 7,23
